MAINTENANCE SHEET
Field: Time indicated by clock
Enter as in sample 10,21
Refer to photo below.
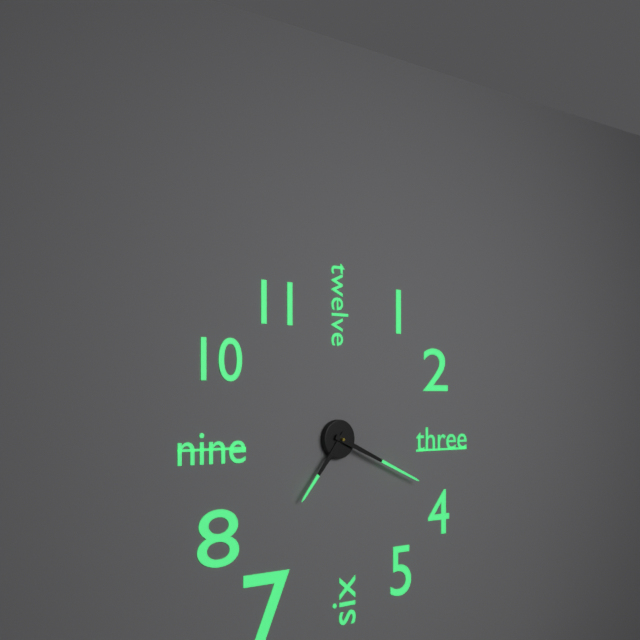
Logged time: 7,19
